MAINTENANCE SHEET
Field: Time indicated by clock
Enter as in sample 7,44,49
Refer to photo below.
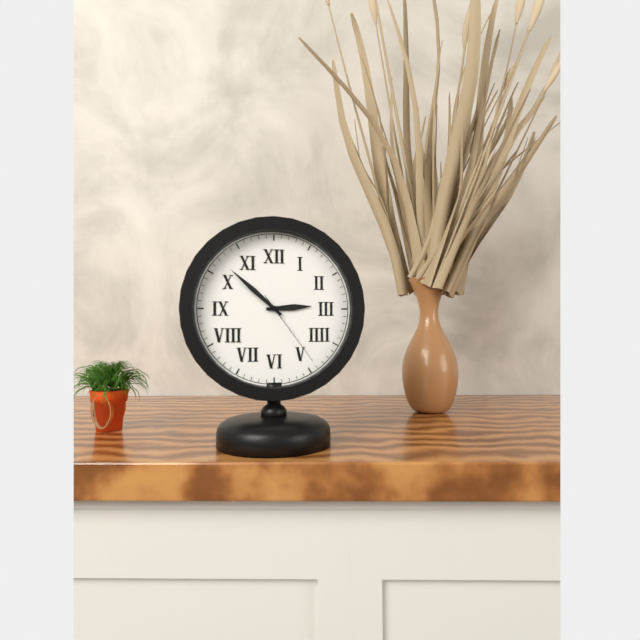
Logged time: 2,52,24
